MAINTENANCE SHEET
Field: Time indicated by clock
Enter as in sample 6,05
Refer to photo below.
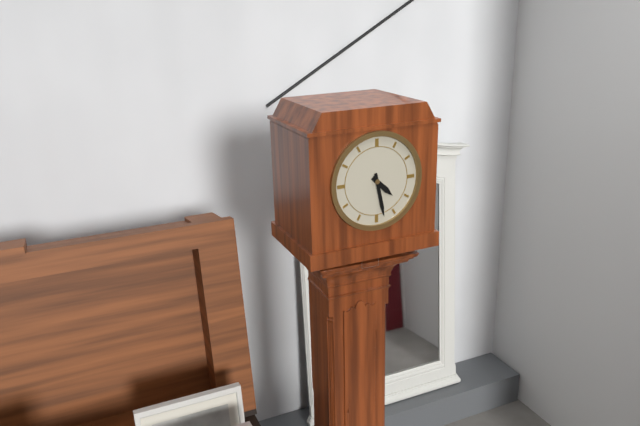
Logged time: 4,28
